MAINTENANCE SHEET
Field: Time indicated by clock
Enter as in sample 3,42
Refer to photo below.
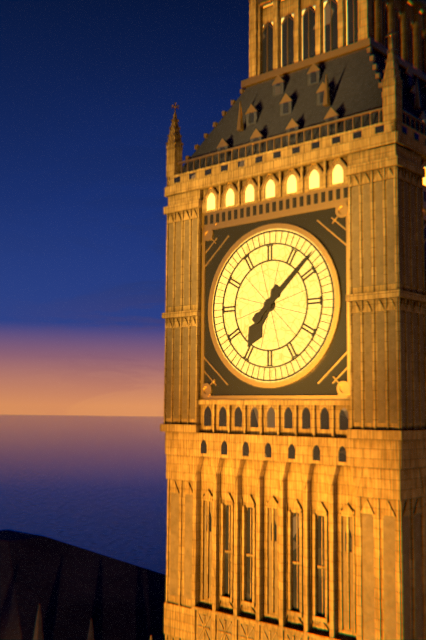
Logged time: 7,08
